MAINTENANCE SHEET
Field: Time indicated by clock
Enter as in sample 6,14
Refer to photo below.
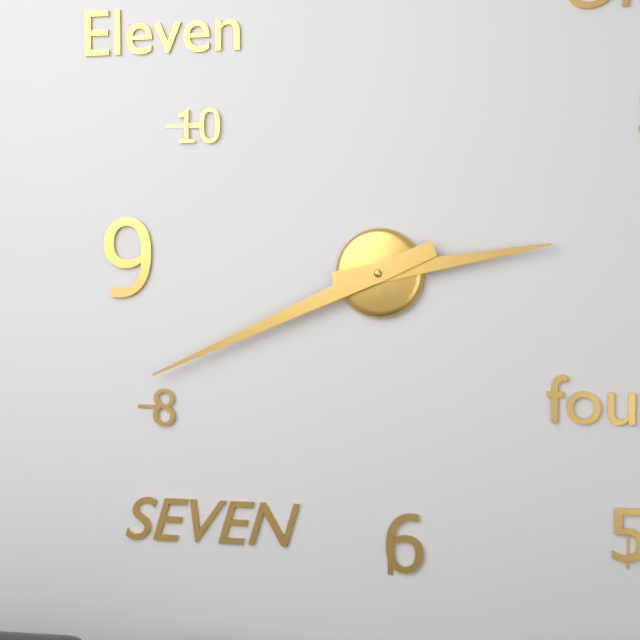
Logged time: 2,41
